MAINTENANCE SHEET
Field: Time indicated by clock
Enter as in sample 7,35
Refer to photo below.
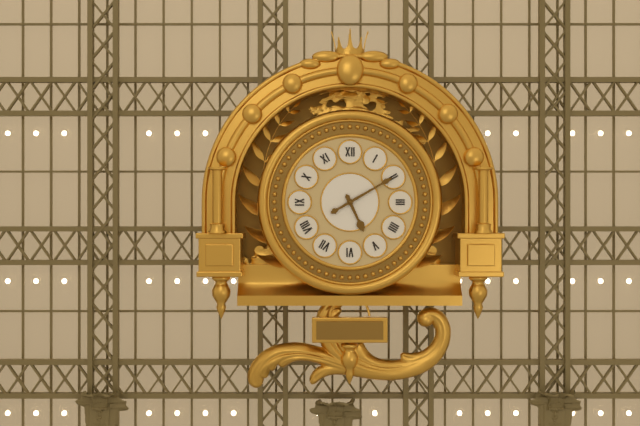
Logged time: 5,10
